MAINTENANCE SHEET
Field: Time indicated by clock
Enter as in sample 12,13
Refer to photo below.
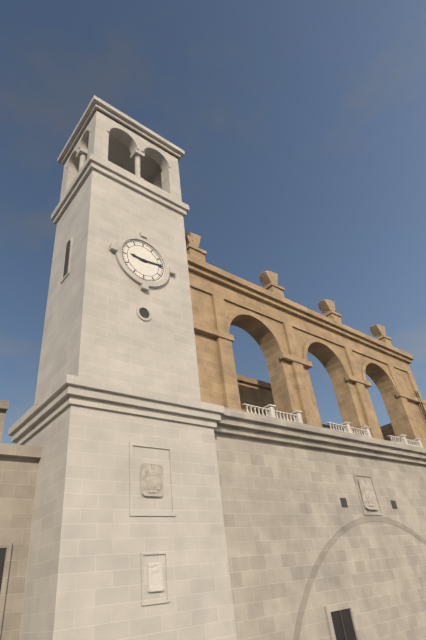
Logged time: 9,14
